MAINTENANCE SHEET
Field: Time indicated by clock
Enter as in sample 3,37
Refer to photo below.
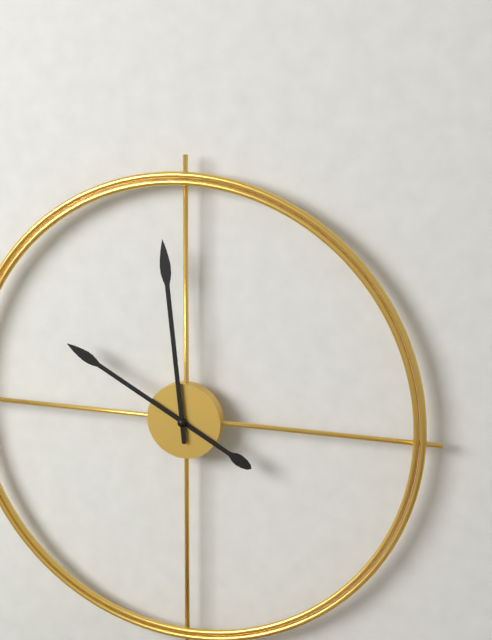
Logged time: 9,59
